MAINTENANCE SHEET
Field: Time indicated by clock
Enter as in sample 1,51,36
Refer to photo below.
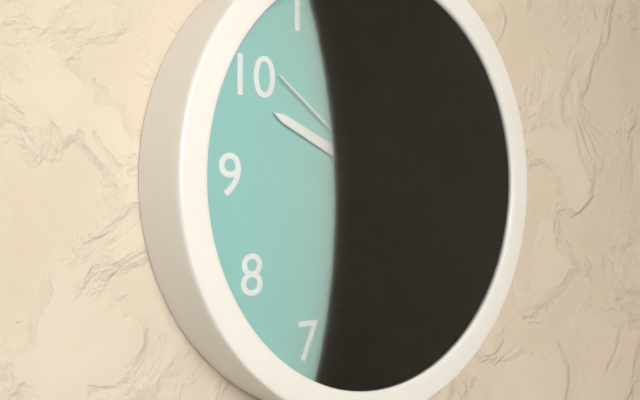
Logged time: 5,49,51
